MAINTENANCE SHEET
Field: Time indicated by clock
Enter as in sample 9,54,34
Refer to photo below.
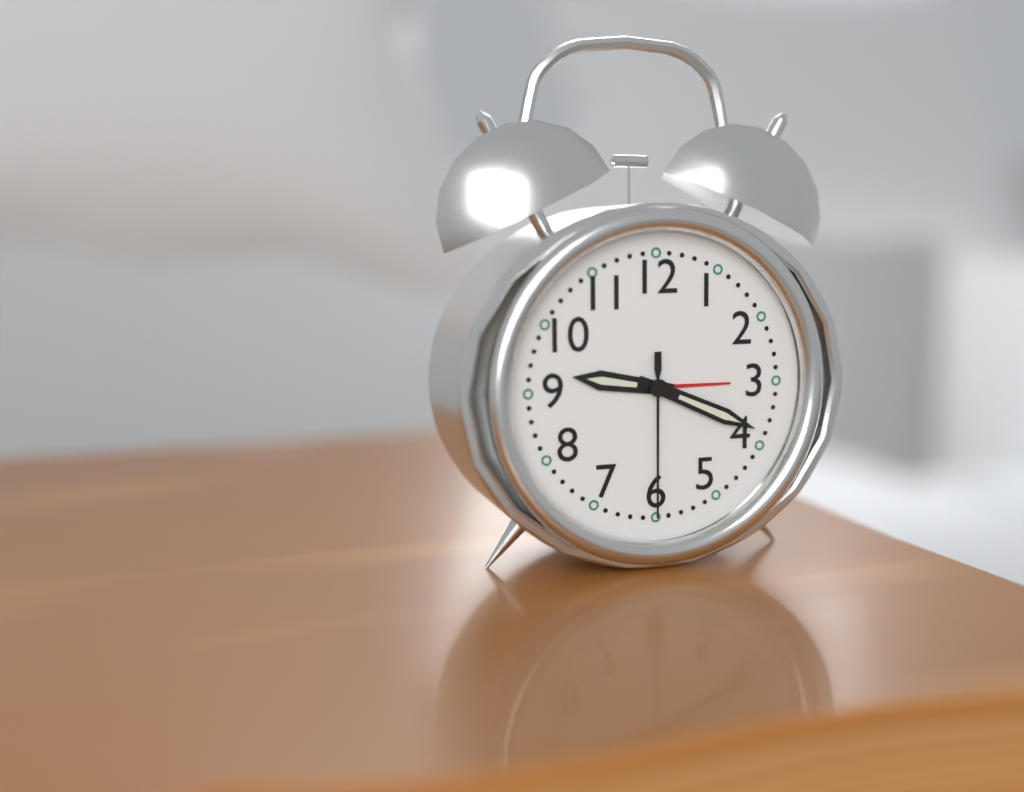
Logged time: 9,19,30
